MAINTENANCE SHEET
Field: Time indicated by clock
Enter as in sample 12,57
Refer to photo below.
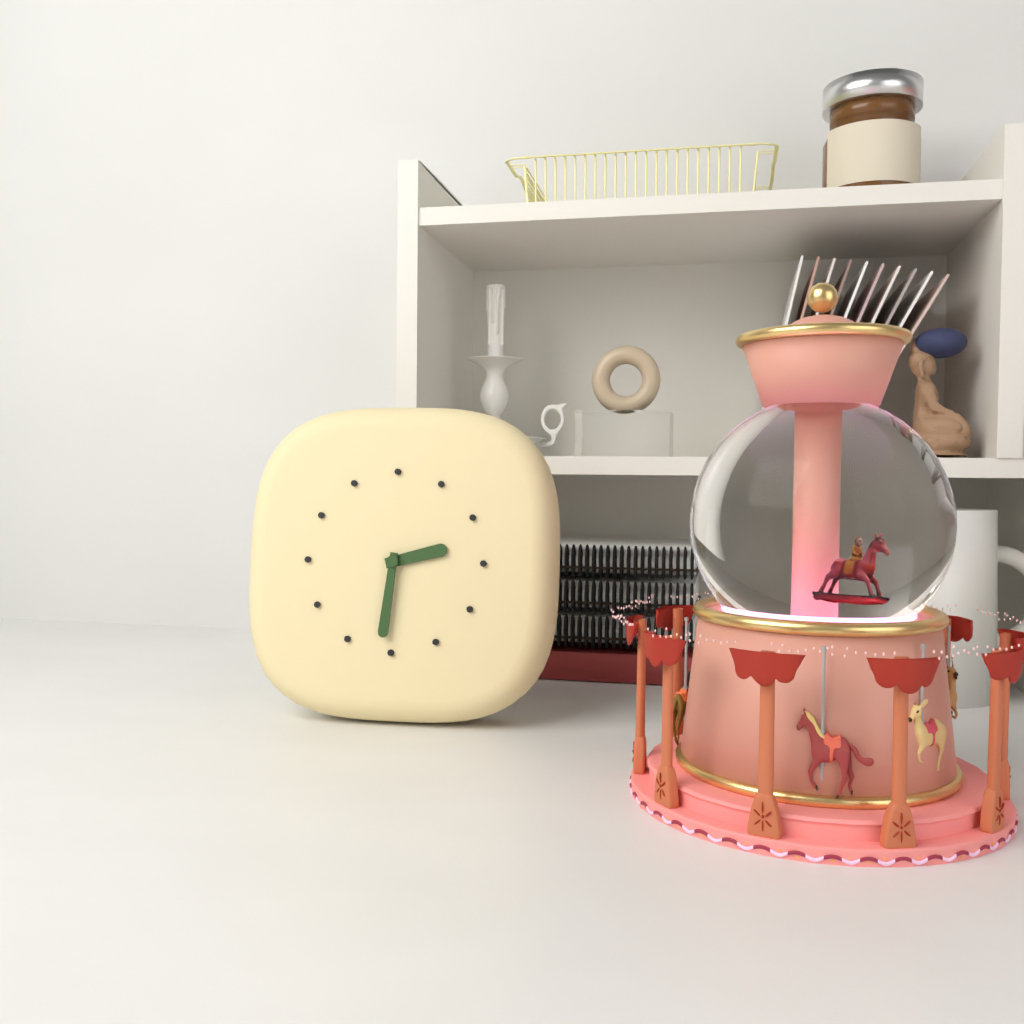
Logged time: 2,31
